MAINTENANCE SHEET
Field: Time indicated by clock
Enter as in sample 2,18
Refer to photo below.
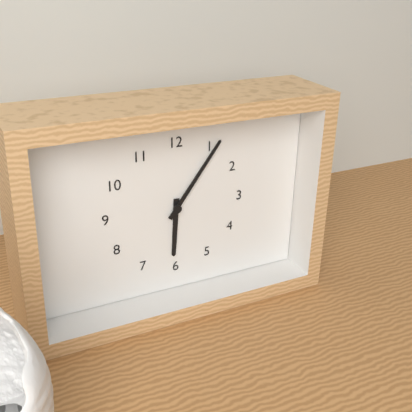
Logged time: 6,06
